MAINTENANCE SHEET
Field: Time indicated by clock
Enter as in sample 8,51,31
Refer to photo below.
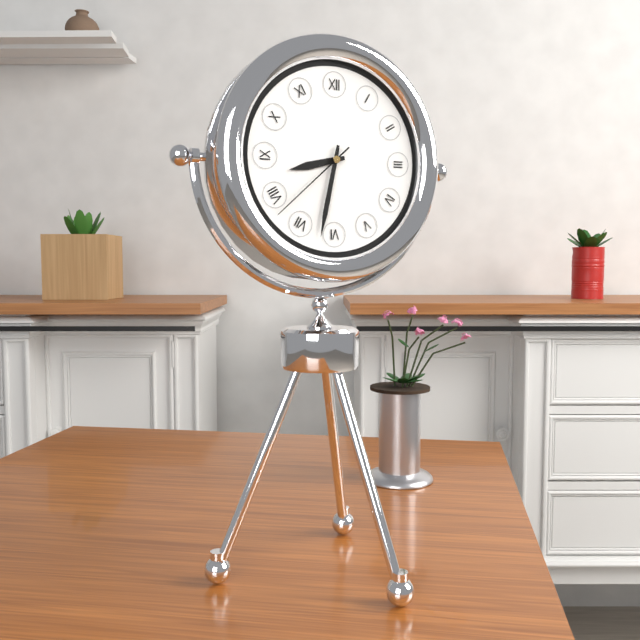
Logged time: 8,32,38
